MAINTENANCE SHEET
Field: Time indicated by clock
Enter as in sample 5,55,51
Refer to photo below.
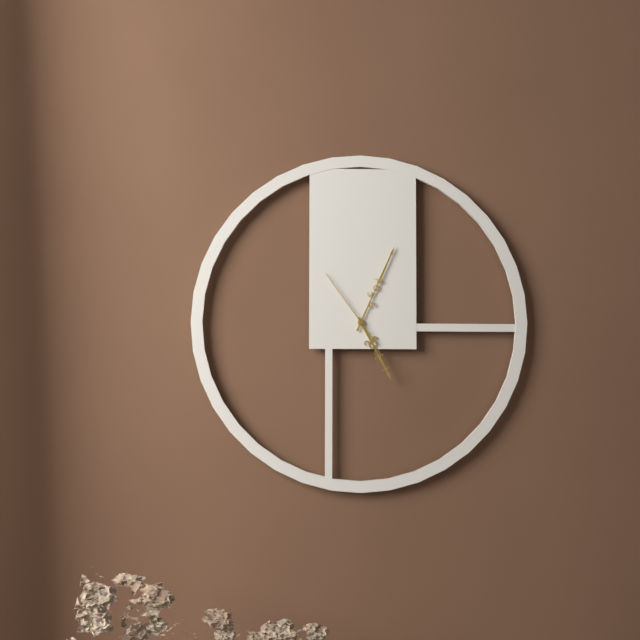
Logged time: 5,04,54
